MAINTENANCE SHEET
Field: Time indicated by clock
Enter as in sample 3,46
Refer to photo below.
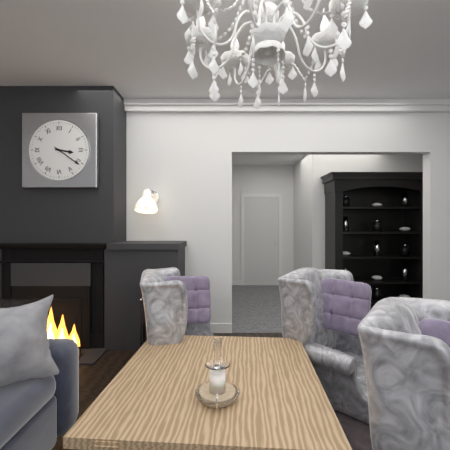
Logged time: 3,21
